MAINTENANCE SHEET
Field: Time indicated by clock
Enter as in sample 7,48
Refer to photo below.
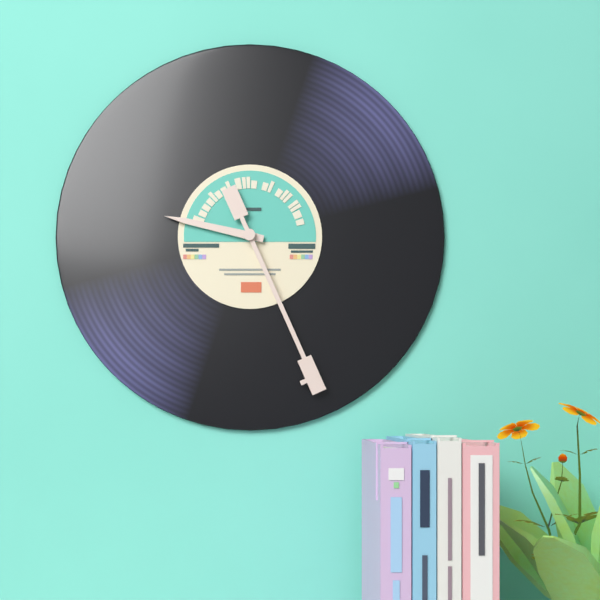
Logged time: 9,26
